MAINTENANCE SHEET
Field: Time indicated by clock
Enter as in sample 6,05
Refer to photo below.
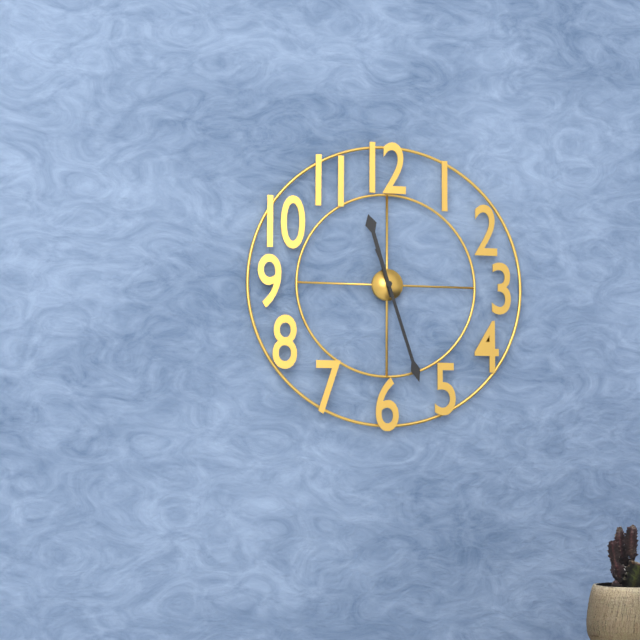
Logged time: 11,27
